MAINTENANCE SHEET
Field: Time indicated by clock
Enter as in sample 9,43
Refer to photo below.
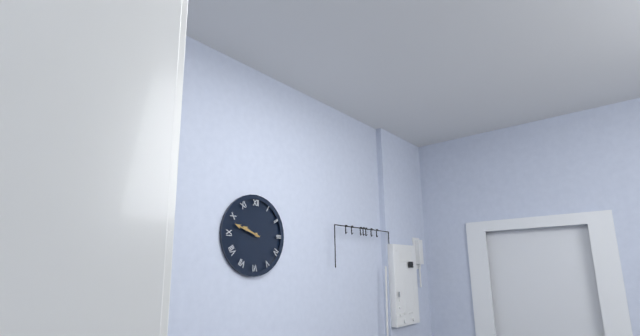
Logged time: 9,48
